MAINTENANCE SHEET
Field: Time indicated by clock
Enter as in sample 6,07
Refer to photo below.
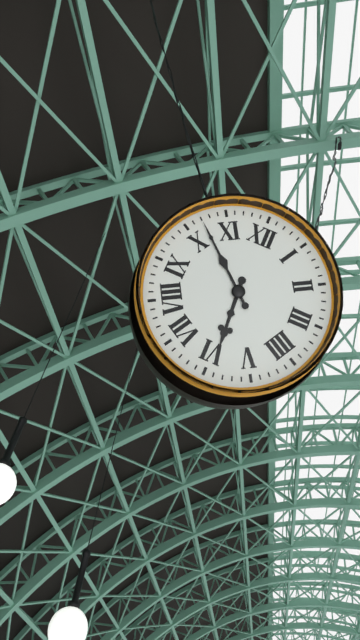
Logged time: 5,52
